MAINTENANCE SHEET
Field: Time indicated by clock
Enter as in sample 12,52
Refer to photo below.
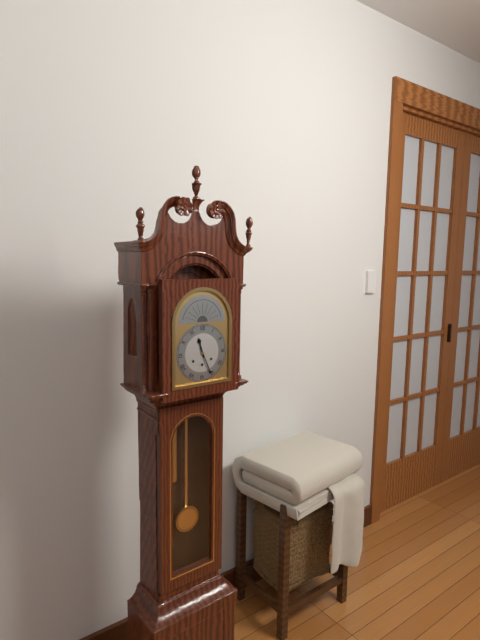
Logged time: 11,26
